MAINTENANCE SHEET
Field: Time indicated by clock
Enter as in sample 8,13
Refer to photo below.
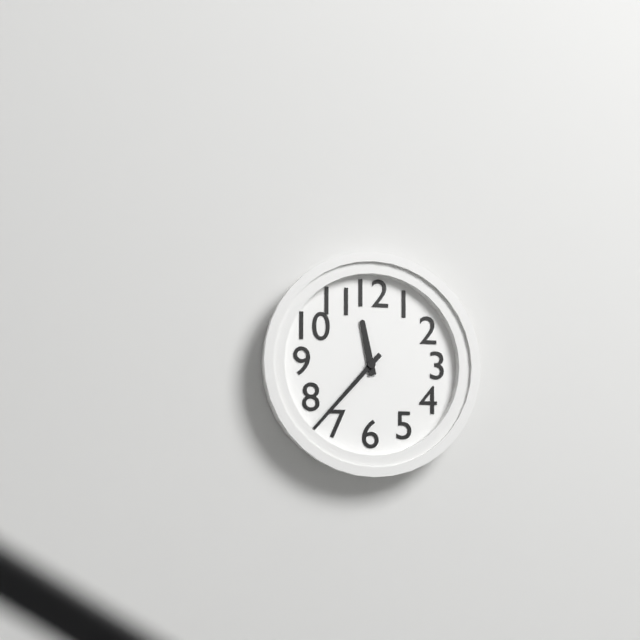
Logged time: 11,37
